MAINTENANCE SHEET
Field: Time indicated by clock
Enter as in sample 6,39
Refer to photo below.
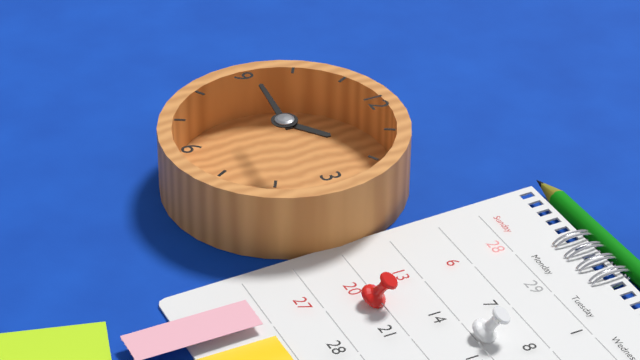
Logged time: 1,46
